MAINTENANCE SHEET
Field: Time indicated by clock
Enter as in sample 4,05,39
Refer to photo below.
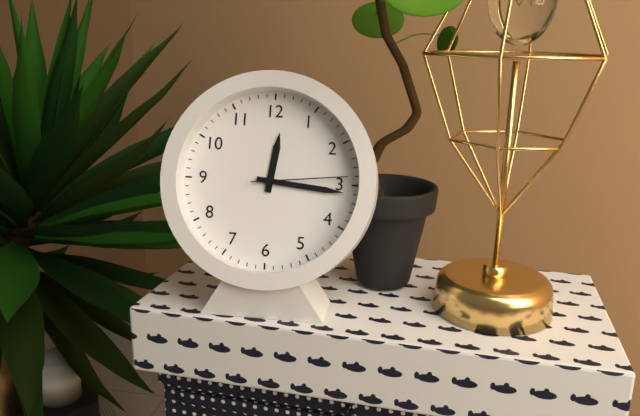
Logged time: 12,16,14
